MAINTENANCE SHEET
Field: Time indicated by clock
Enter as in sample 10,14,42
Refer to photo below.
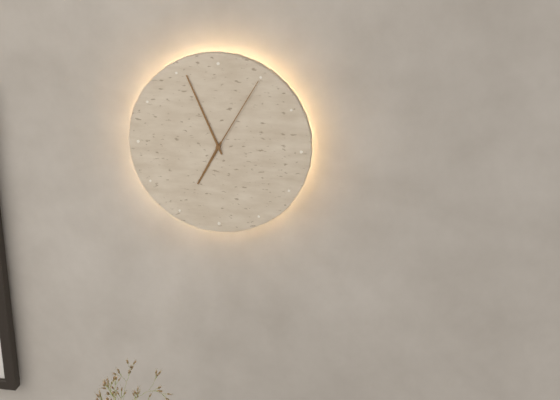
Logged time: 6,56,05
